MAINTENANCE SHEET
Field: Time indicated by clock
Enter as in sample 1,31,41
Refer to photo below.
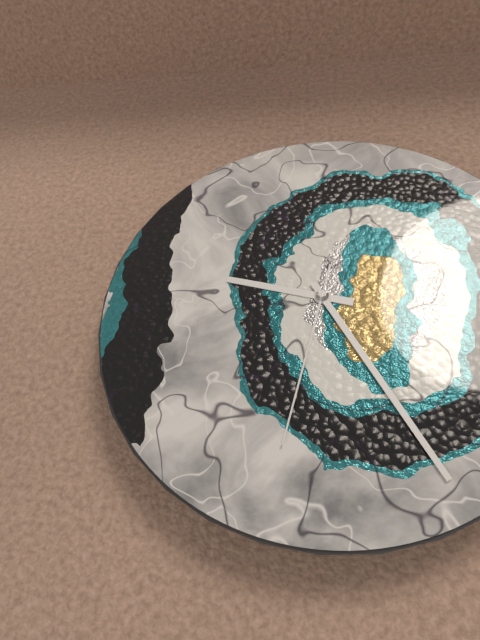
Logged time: 9,25,32
